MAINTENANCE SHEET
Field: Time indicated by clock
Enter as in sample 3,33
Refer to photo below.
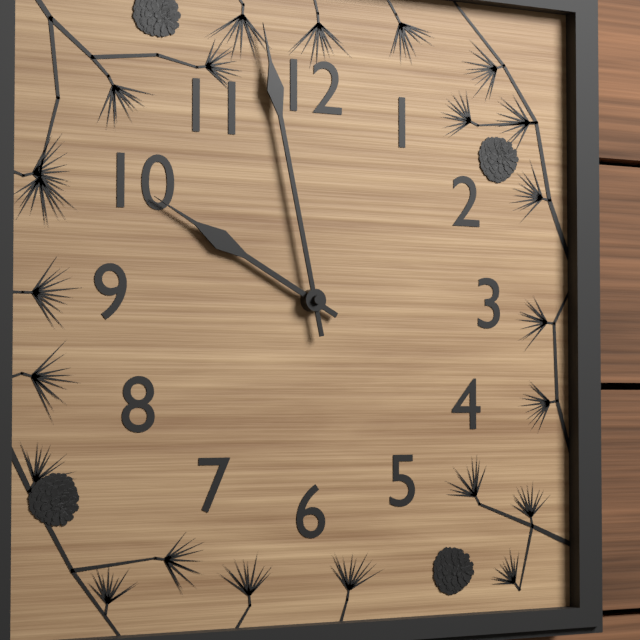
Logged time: 9,58
